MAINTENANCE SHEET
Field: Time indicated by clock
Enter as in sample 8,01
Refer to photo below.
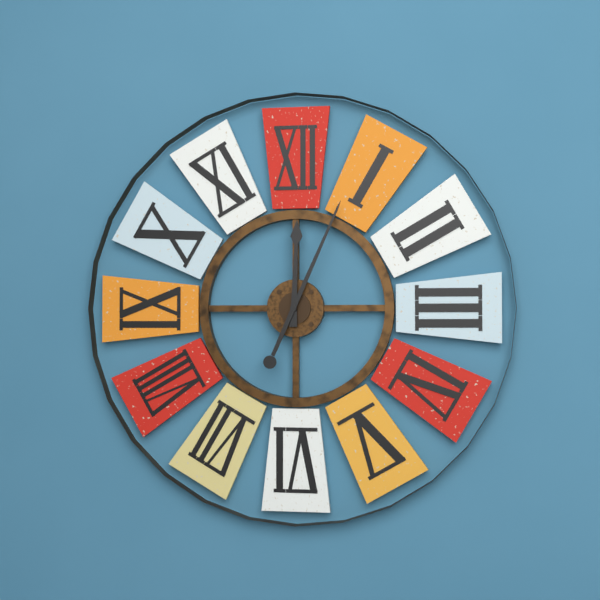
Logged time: 12,04
